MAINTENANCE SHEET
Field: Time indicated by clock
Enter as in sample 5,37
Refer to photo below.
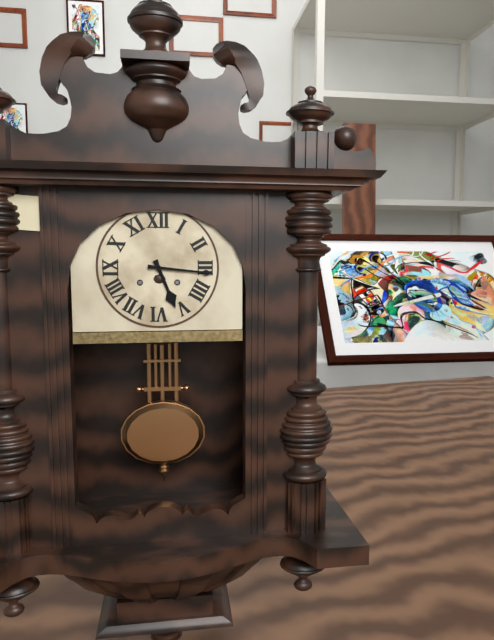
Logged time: 5,16
